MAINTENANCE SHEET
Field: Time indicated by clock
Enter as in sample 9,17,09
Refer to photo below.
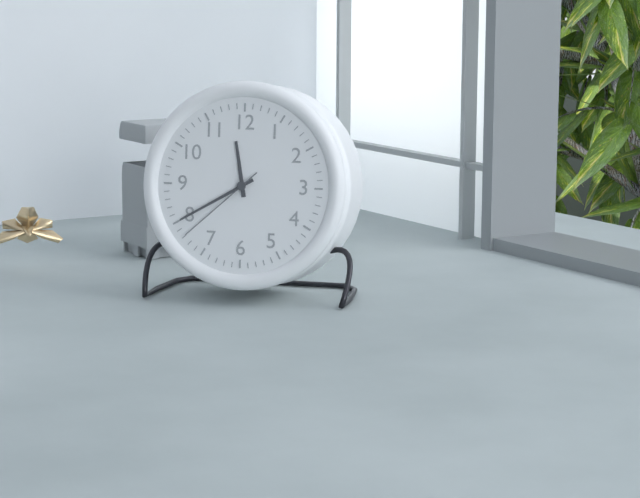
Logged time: 11,40,38
